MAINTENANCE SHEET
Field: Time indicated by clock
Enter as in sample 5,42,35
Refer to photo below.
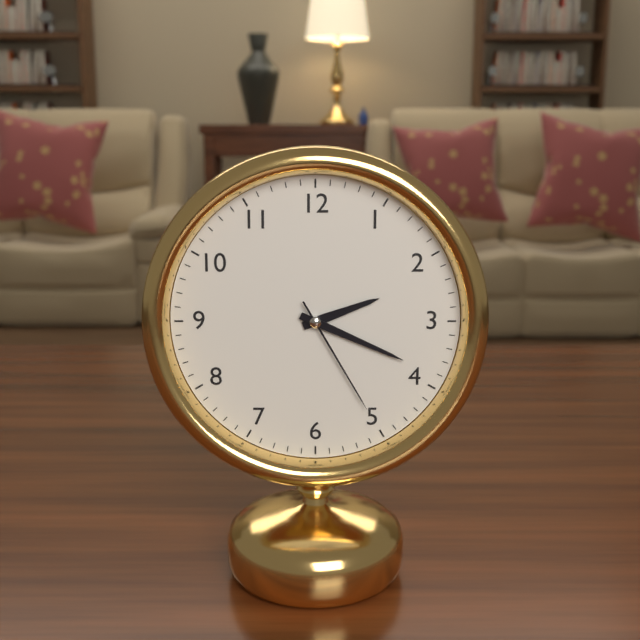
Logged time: 2,19,25
